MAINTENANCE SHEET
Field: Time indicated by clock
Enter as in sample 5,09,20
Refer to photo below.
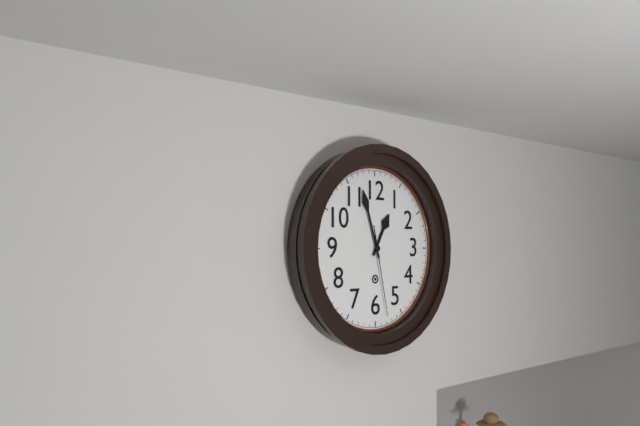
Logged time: 12,57,28
